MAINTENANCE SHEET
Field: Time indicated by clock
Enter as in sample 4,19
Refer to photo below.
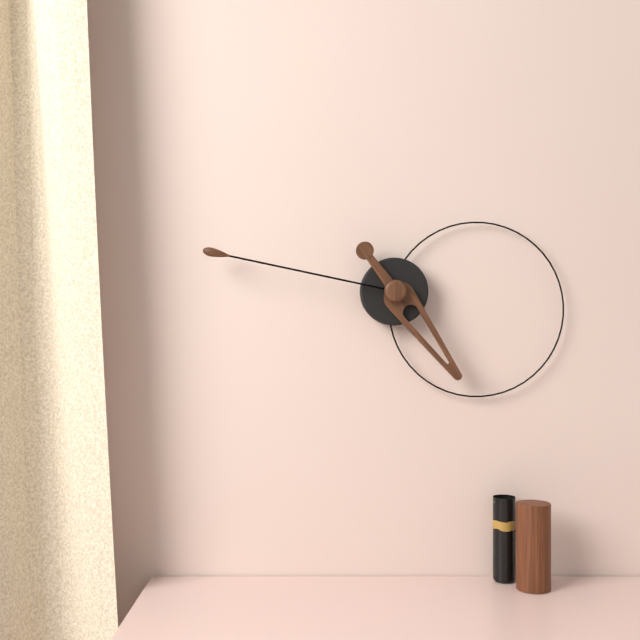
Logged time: 4,47
